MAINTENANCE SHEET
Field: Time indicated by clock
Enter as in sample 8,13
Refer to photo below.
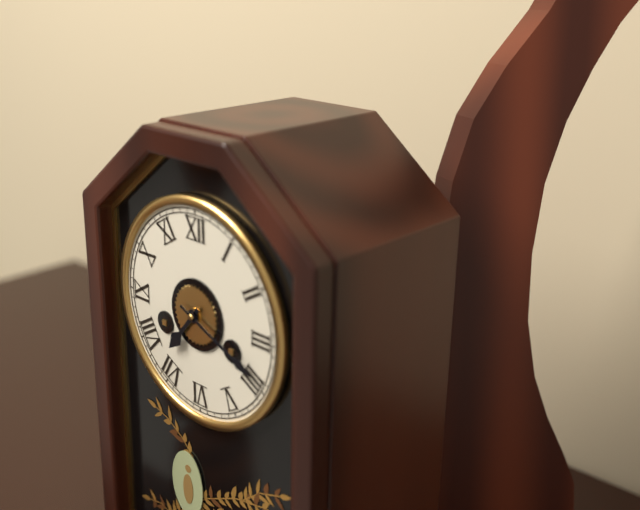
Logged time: 7,19
